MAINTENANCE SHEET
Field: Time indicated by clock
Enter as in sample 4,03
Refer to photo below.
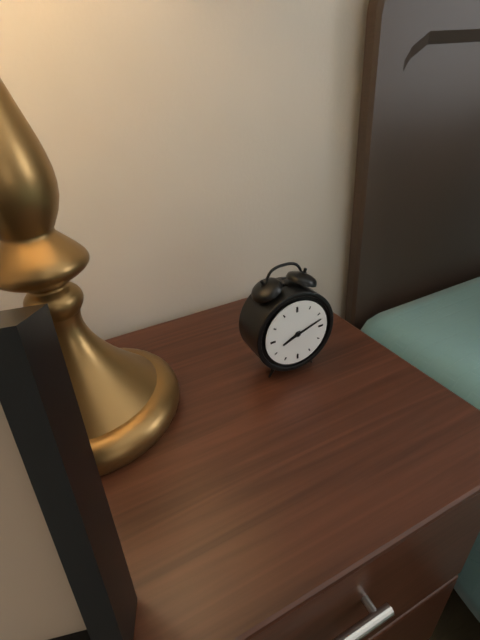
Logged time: 8,12
